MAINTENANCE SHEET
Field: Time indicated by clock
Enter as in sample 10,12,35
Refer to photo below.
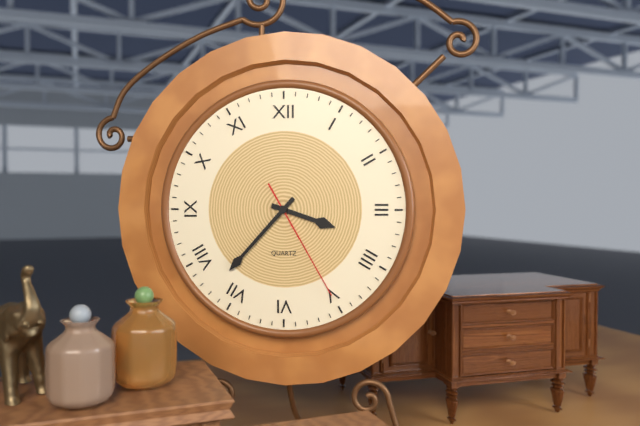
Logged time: 3,37,25
